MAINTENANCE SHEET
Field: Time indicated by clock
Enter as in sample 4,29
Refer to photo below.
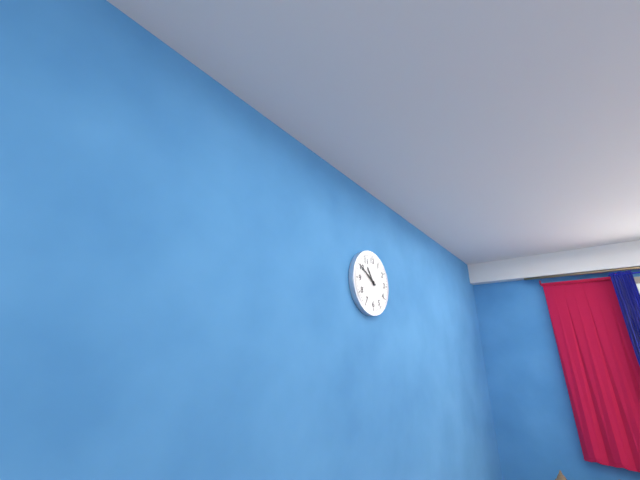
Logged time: 10,50
